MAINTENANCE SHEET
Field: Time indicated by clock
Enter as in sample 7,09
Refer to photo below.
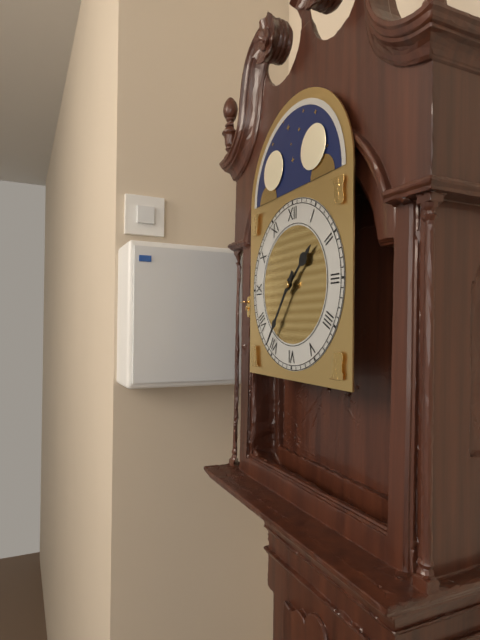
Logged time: 1,36
